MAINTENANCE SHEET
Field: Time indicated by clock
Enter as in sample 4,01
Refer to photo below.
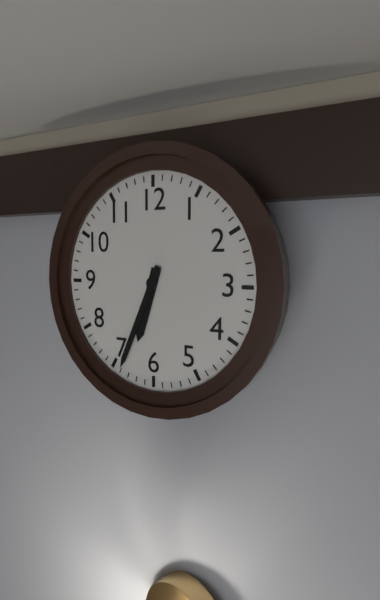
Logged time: 6,34
